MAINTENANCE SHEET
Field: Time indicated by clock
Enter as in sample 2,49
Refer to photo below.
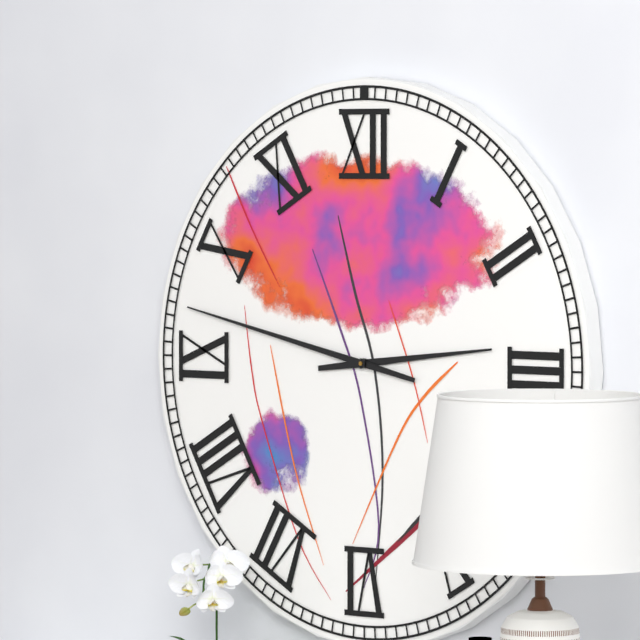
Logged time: 2,47
